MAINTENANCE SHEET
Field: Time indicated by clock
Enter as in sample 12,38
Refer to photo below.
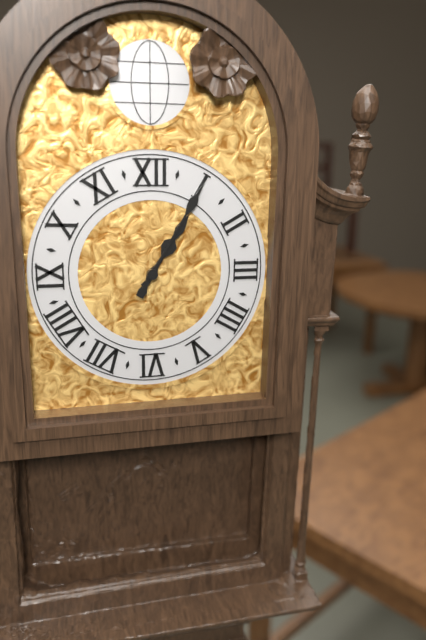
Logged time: 1,05
